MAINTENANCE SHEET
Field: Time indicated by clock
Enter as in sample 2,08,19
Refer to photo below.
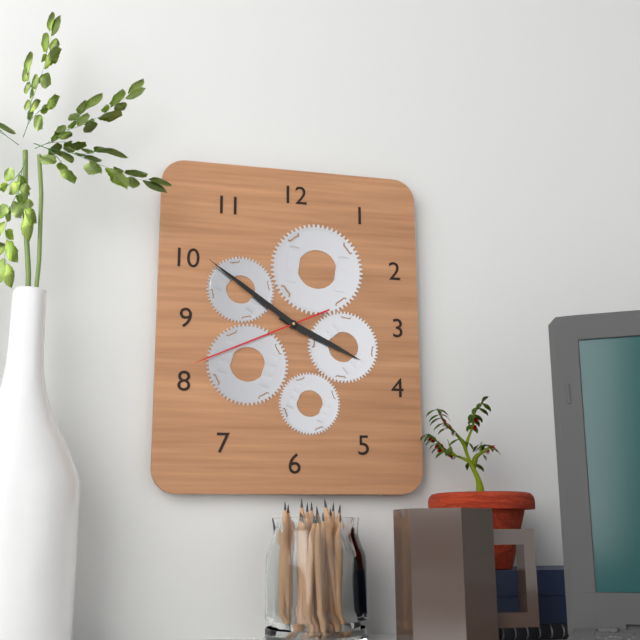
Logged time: 3,51,41
